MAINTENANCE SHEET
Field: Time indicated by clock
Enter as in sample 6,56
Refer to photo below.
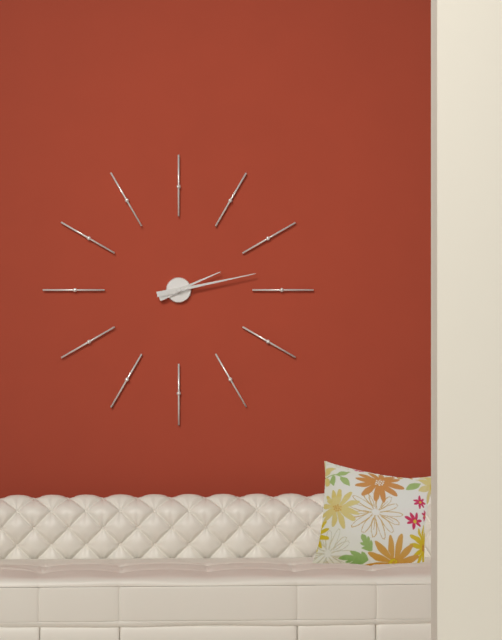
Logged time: 2,13
